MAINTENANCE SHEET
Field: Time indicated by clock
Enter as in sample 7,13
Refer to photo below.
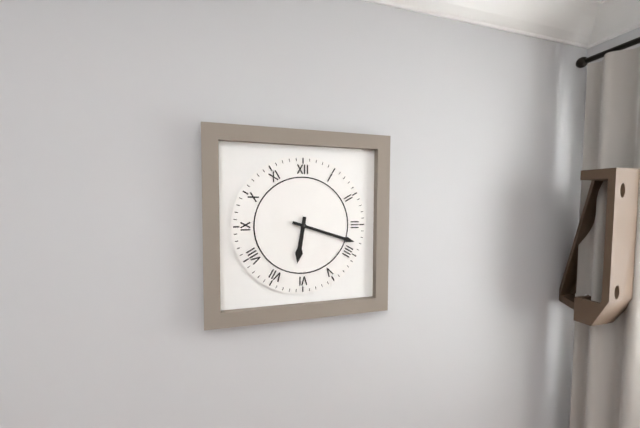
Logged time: 6,18
